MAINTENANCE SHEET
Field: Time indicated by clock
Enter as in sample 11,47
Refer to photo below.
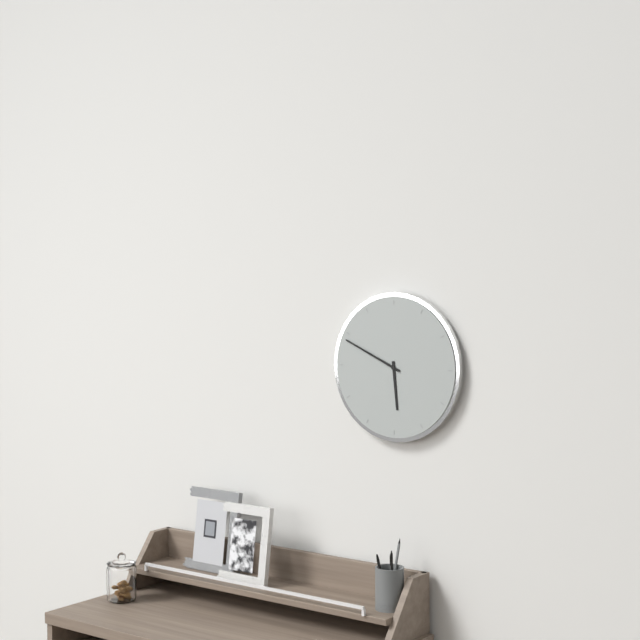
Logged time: 5,49
